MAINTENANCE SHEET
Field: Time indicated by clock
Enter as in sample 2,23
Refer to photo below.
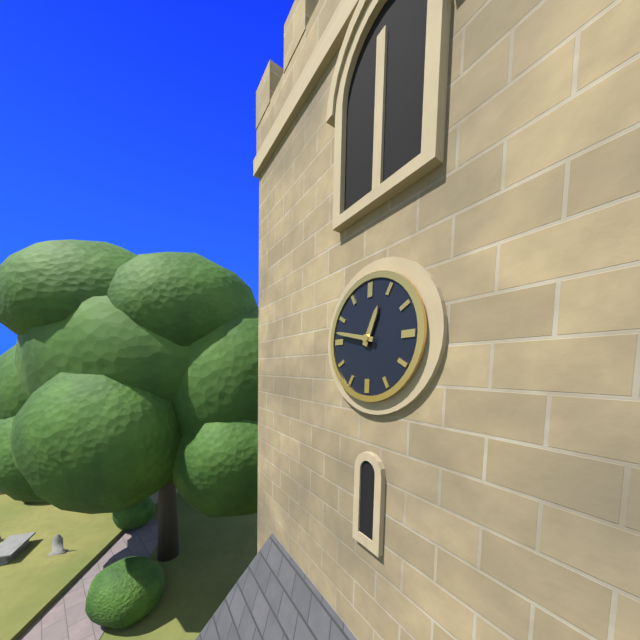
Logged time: 12,47
